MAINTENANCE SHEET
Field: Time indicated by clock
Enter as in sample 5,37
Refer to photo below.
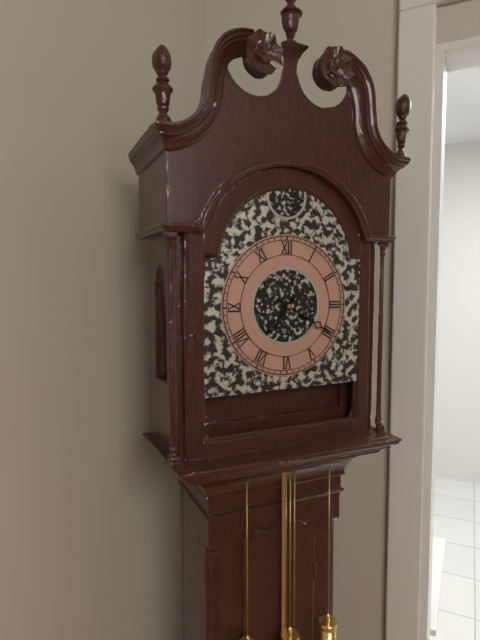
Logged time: 7,20
